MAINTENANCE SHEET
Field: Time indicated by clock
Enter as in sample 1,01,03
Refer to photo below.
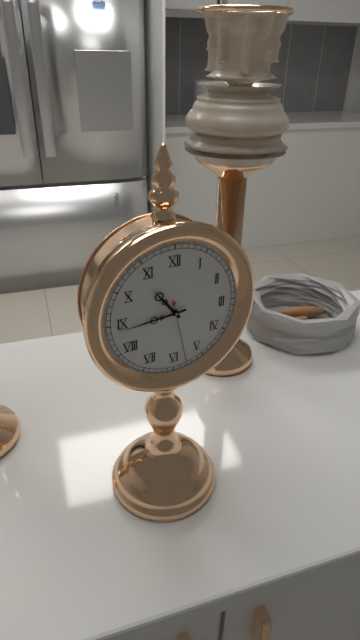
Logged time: 10,44,28
